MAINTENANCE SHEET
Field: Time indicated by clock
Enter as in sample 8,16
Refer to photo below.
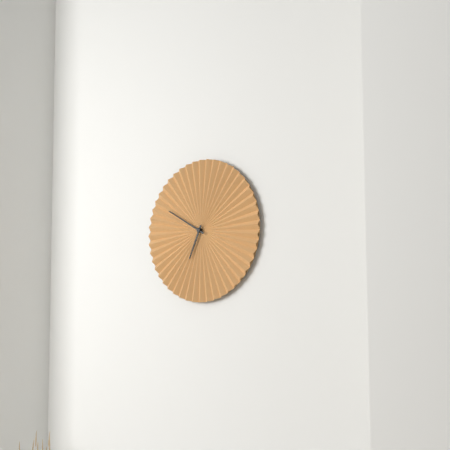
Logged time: 6,50
